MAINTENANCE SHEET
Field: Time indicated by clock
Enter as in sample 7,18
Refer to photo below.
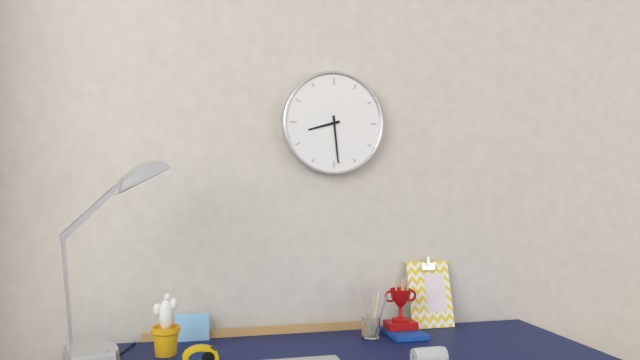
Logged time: 8,29
